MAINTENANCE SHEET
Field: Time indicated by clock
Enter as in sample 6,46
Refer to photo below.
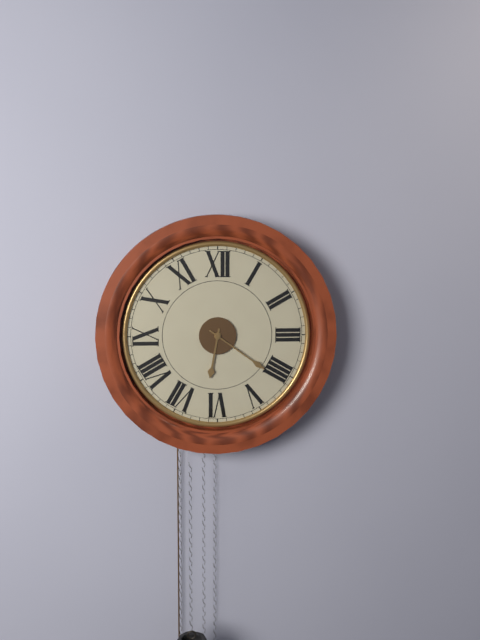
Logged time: 6,21
